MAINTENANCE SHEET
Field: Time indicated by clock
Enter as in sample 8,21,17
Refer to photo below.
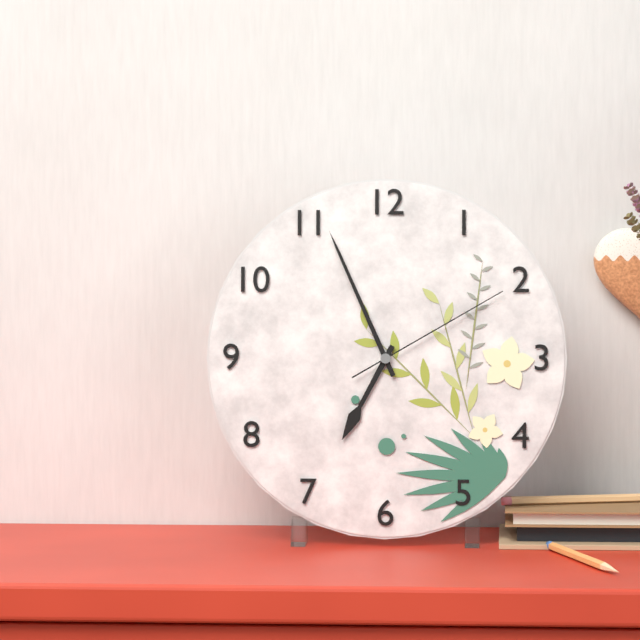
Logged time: 6,56,10
